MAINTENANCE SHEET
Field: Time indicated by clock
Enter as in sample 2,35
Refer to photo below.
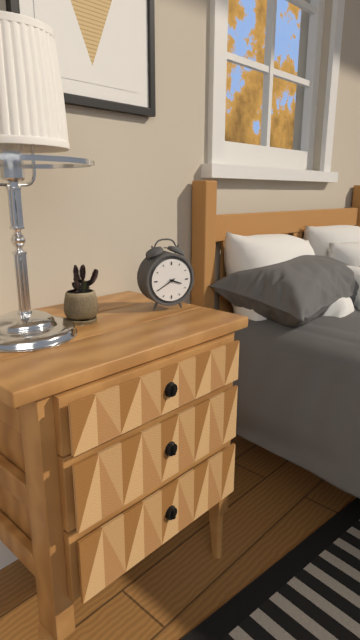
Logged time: 3,40
